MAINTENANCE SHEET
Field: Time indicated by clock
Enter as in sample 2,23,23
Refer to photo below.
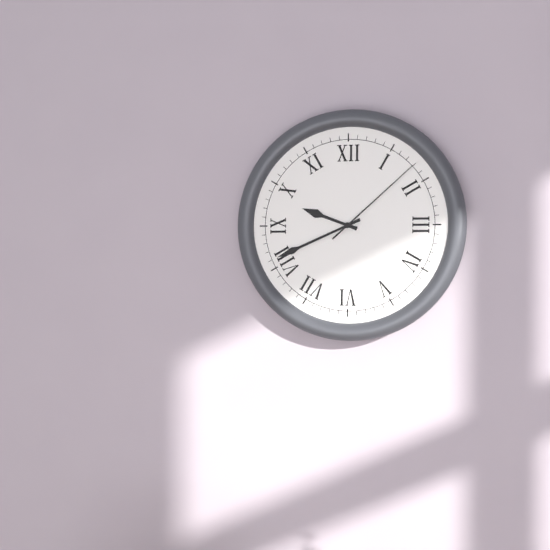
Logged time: 9,41,08
